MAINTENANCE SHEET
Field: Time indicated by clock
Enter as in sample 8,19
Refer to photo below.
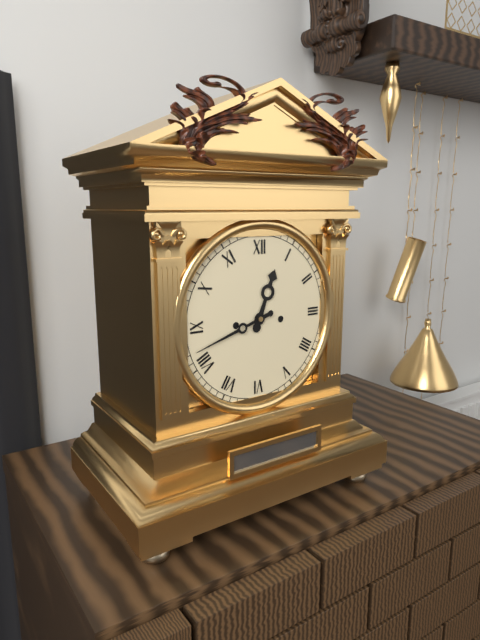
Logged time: 12,42
